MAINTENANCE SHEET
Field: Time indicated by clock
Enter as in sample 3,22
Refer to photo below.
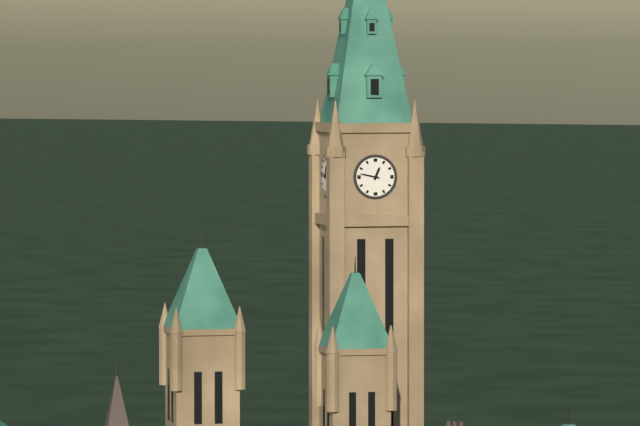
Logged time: 12,47
